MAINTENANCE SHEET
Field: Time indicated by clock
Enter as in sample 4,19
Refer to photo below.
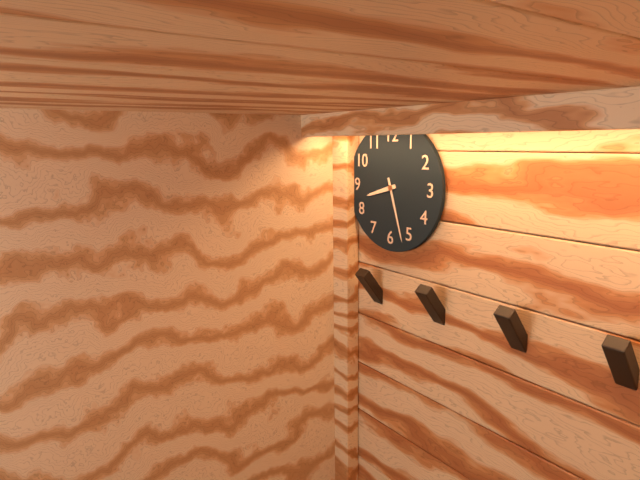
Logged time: 8,27
